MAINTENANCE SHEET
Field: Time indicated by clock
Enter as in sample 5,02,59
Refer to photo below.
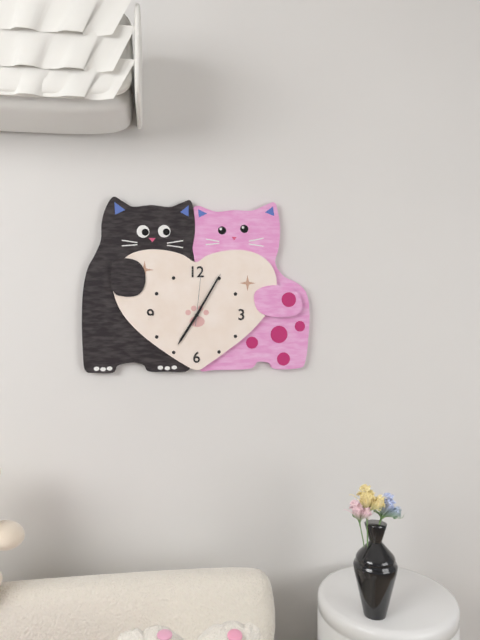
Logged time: 7,05,01
